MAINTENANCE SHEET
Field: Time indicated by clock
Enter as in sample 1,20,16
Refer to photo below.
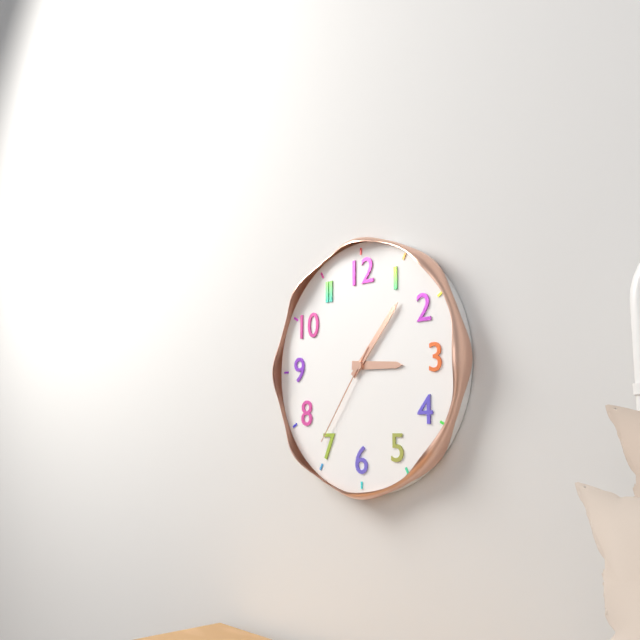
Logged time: 3,07,36
